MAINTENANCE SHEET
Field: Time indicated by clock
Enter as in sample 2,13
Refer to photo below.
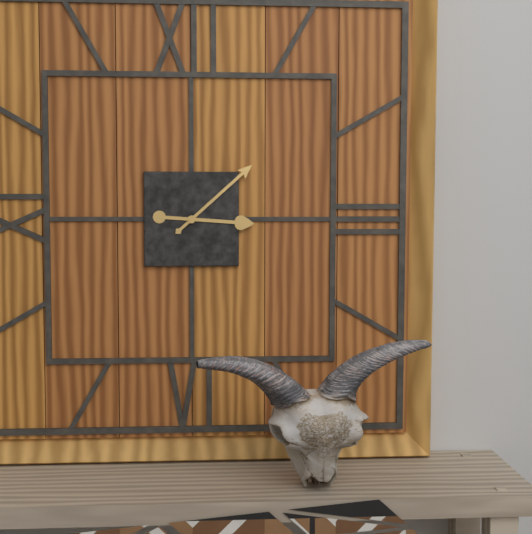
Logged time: 3,08
